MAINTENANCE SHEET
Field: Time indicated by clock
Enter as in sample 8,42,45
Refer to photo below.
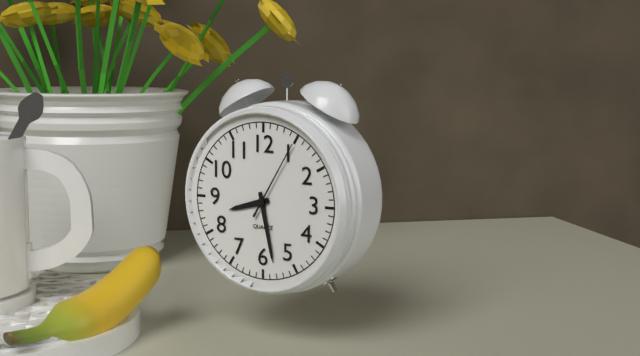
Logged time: 8,28,05
